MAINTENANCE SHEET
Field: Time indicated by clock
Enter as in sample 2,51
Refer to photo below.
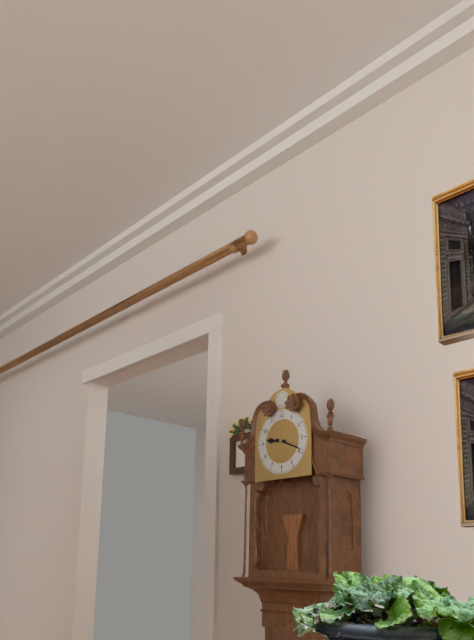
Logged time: 9,19
